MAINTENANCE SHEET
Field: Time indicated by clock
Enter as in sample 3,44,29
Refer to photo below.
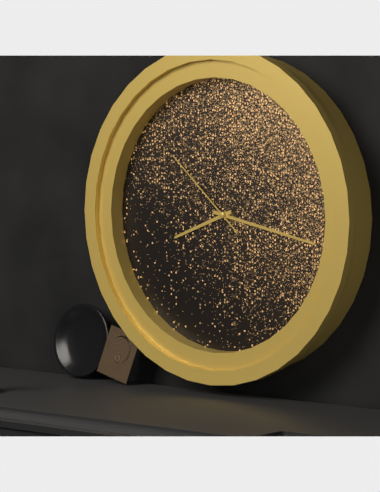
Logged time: 8,17,52
